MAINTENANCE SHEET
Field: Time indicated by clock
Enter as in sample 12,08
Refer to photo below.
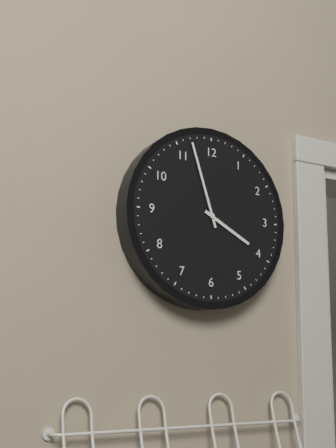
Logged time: 3,57
